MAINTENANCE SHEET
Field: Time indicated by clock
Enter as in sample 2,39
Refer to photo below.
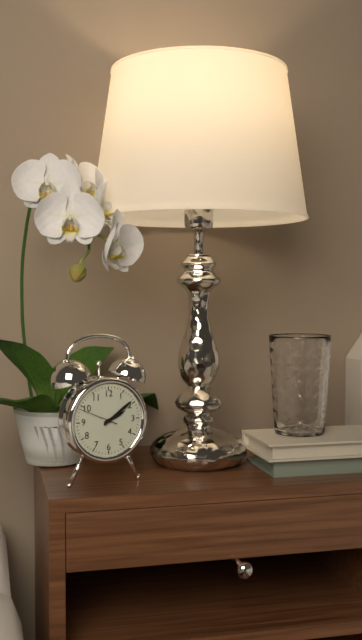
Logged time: 2,09
